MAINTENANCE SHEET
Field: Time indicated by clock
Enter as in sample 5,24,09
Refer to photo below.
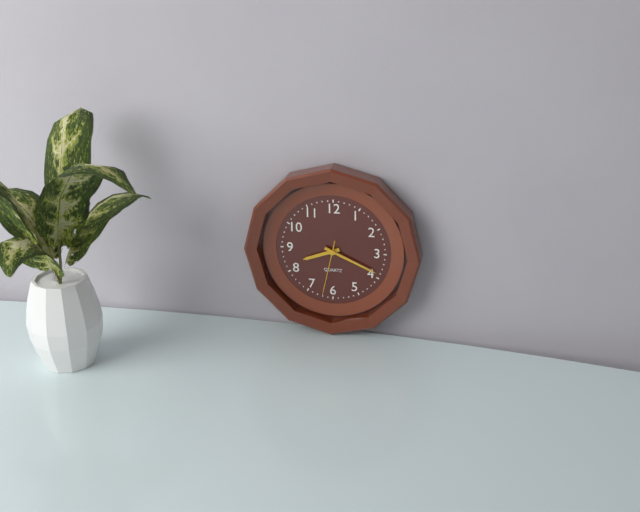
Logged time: 8,19,32
